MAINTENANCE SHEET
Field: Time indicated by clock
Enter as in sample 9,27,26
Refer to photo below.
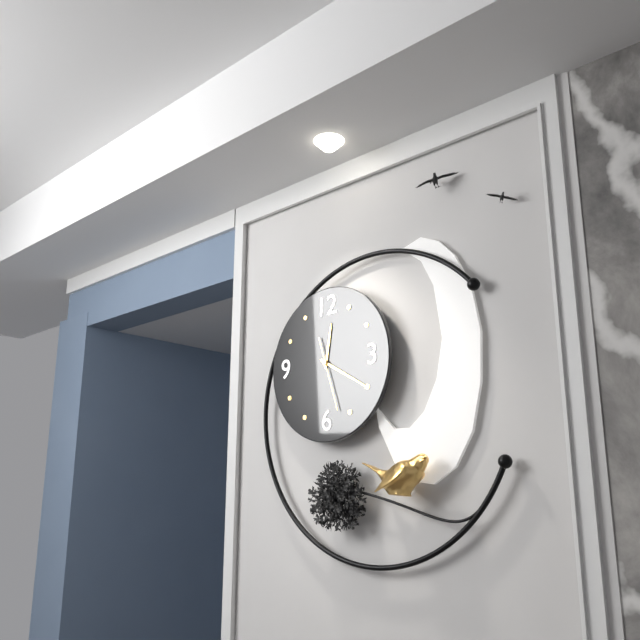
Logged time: 12,20,27
